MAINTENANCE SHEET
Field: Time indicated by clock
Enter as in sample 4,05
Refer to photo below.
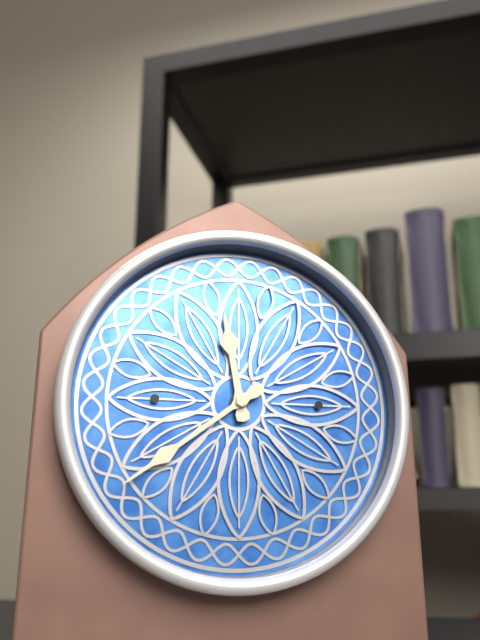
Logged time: 11,39
